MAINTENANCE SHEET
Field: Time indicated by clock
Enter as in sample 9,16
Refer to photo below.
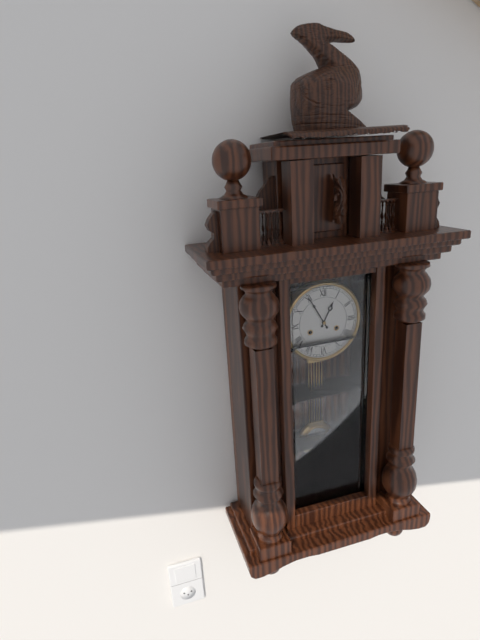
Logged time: 12,55
